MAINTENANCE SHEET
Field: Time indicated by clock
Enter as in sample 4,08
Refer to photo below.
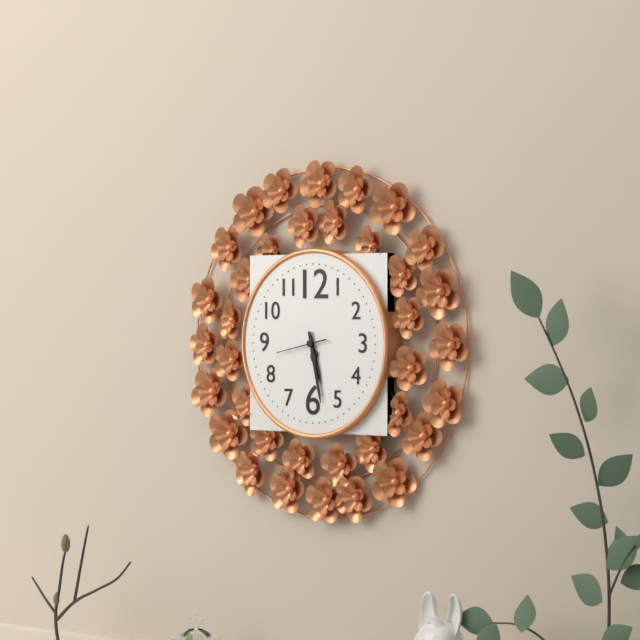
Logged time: 5,28
